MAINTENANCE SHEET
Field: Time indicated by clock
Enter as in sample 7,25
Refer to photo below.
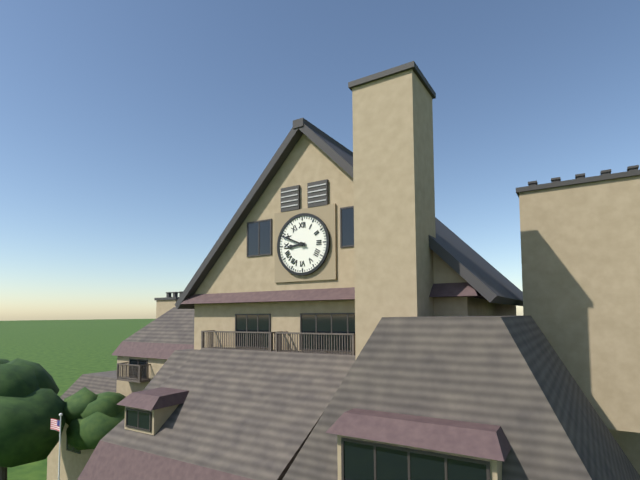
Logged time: 8,49
